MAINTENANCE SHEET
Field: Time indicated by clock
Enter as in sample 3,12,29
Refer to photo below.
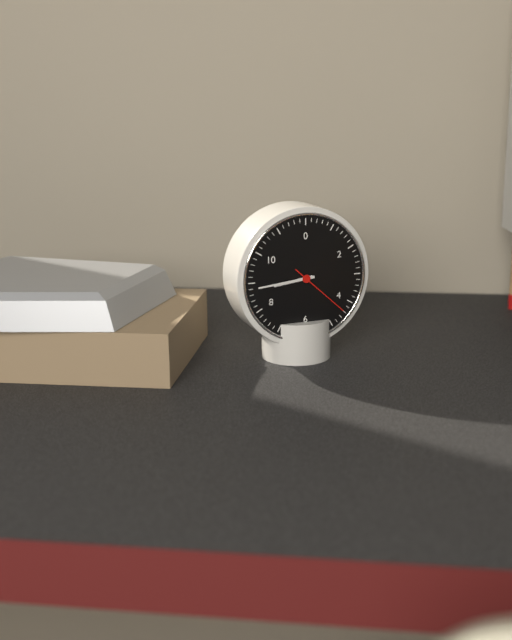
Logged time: 8,44,22
